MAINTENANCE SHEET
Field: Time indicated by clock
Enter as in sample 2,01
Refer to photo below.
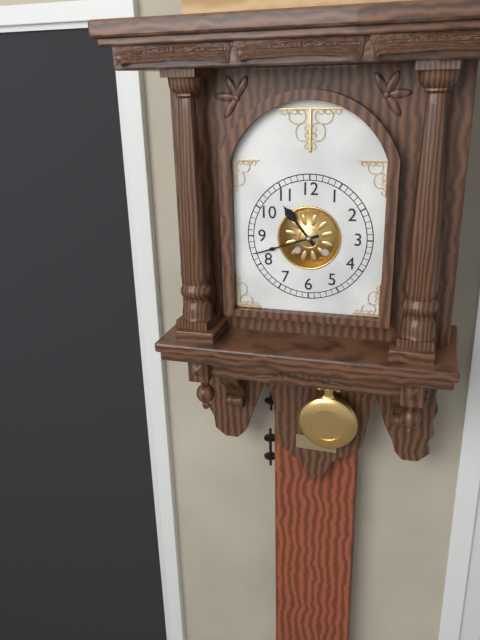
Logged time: 10,42
